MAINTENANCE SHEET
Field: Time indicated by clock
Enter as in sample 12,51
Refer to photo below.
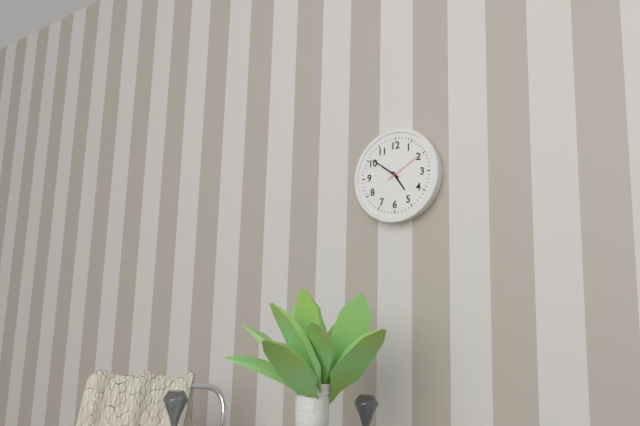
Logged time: 4,51
